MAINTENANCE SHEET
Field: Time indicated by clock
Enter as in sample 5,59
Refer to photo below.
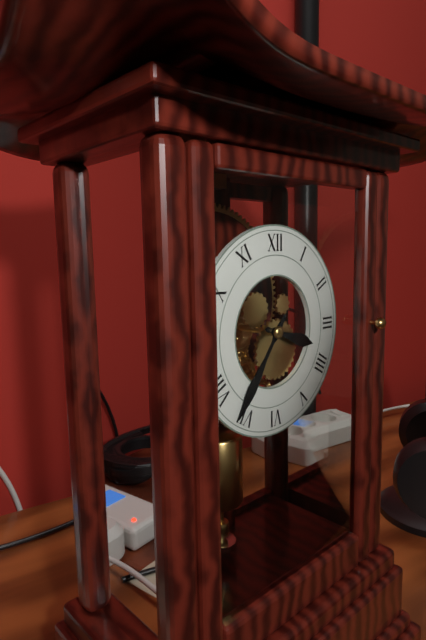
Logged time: 3,36
